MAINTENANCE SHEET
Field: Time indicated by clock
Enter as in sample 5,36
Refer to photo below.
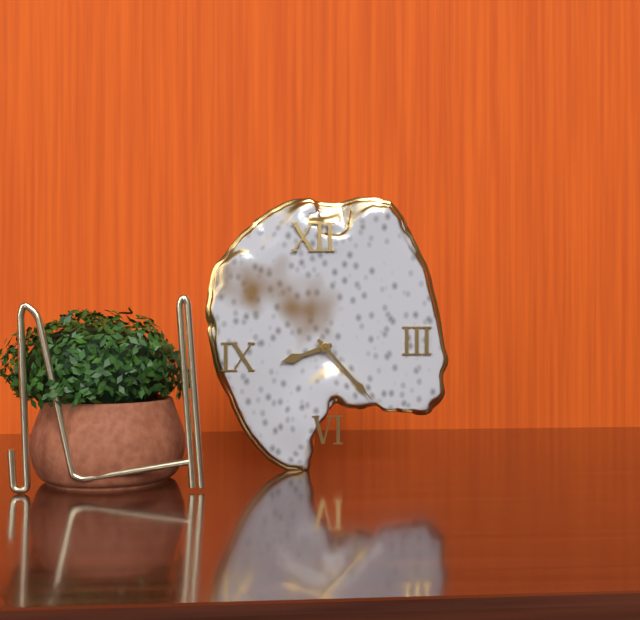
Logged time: 8,23
